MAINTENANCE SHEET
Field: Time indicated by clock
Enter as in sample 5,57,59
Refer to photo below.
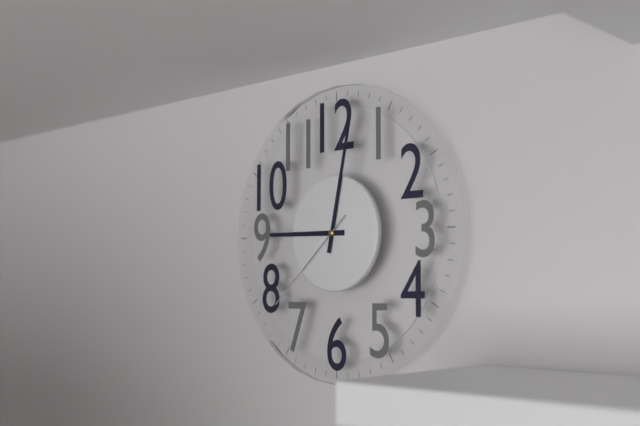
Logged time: 9,02,38
